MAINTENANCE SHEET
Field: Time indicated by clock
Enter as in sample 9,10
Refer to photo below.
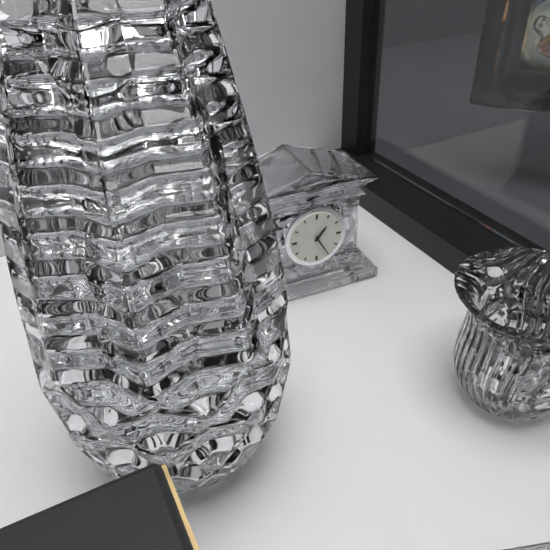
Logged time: 1,25
